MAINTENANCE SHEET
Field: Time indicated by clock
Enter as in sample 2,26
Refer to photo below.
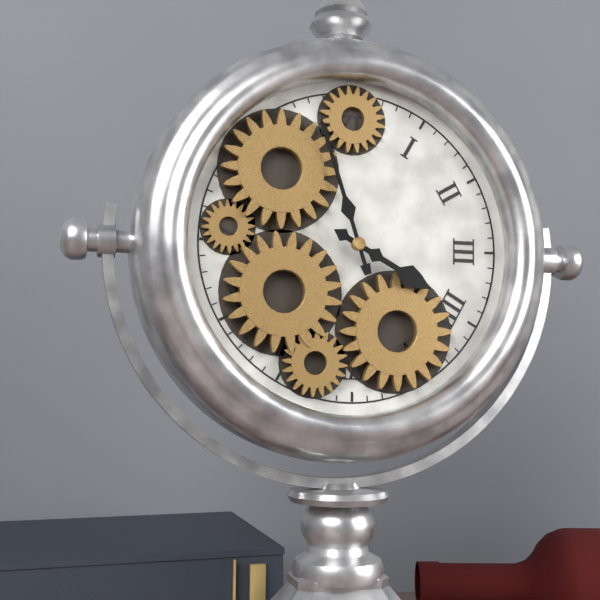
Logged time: 3,57
